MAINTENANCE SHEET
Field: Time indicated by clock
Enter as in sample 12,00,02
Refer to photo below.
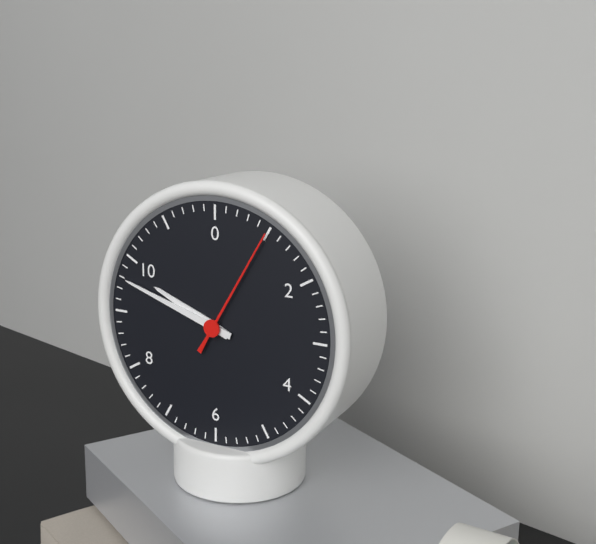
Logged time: 9,48,05
